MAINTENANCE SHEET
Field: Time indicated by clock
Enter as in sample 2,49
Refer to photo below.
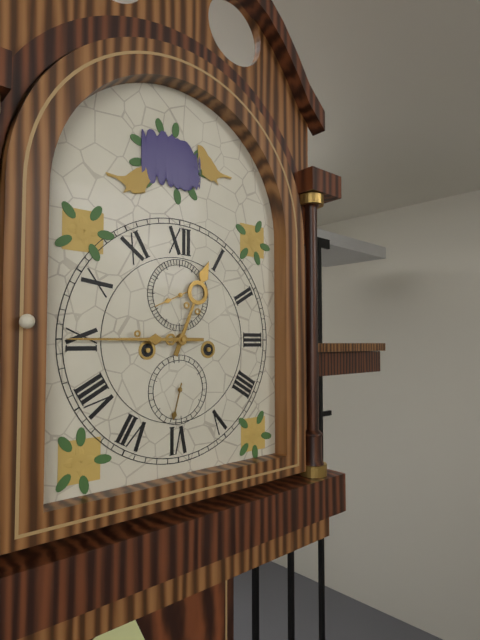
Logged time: 12,45
